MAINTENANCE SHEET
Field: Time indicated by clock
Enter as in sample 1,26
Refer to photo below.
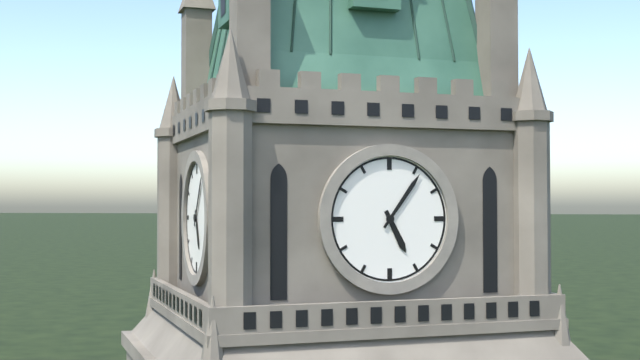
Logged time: 5,06
